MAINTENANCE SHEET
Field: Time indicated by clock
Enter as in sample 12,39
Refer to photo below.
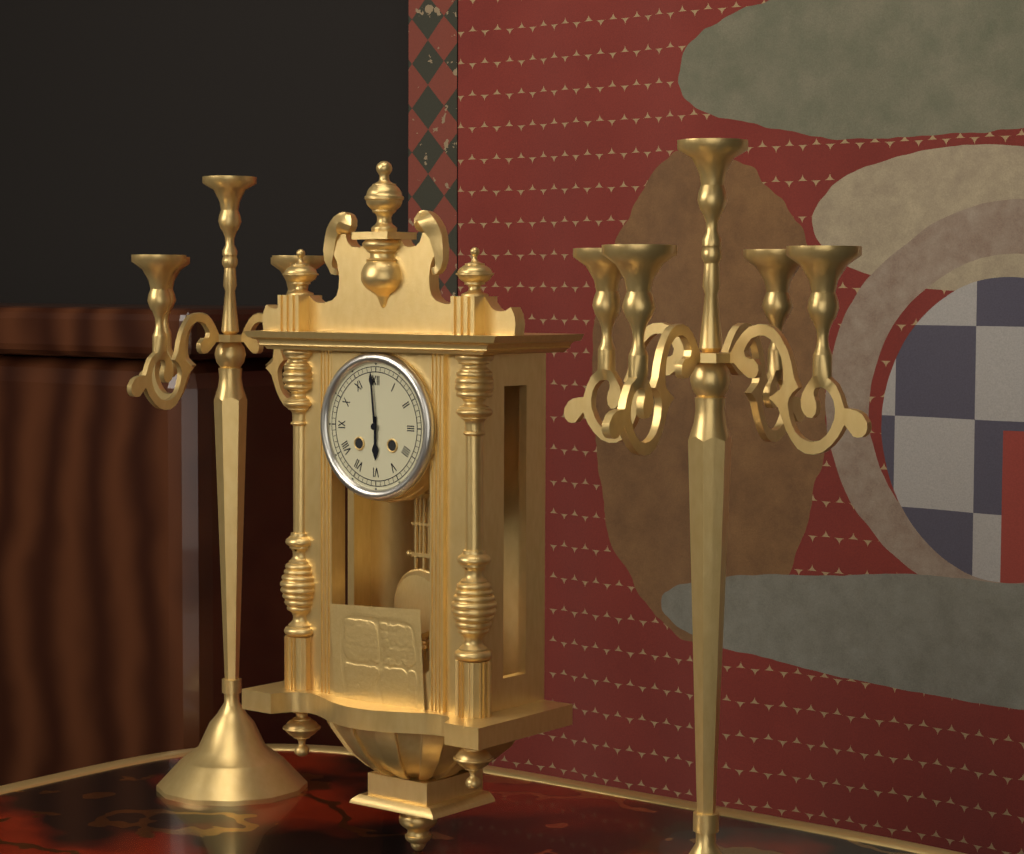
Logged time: 5,59
